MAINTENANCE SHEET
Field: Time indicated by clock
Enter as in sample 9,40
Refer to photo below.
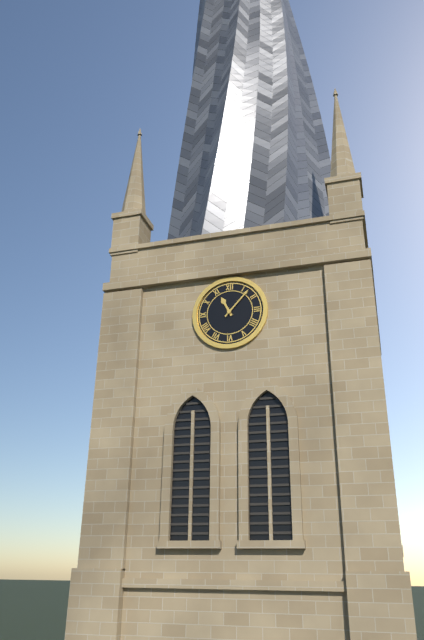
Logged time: 11,07
